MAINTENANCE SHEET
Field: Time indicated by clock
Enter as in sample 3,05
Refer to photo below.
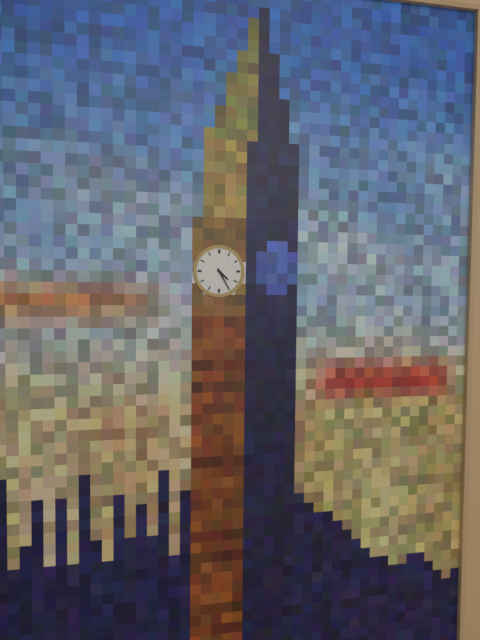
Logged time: 4,25
